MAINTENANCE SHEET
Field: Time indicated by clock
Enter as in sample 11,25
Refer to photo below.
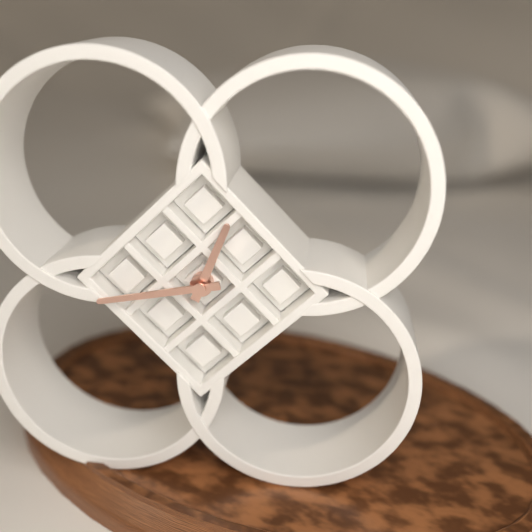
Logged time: 12,43
